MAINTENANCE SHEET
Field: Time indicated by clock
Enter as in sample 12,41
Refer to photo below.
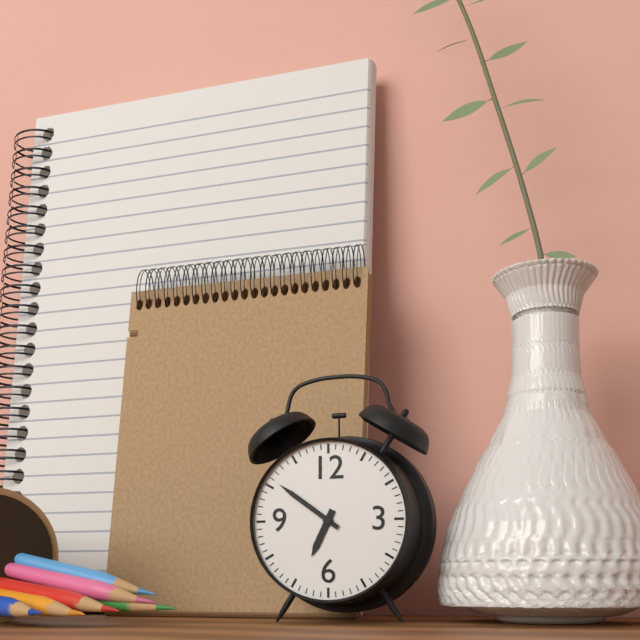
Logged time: 6,51
